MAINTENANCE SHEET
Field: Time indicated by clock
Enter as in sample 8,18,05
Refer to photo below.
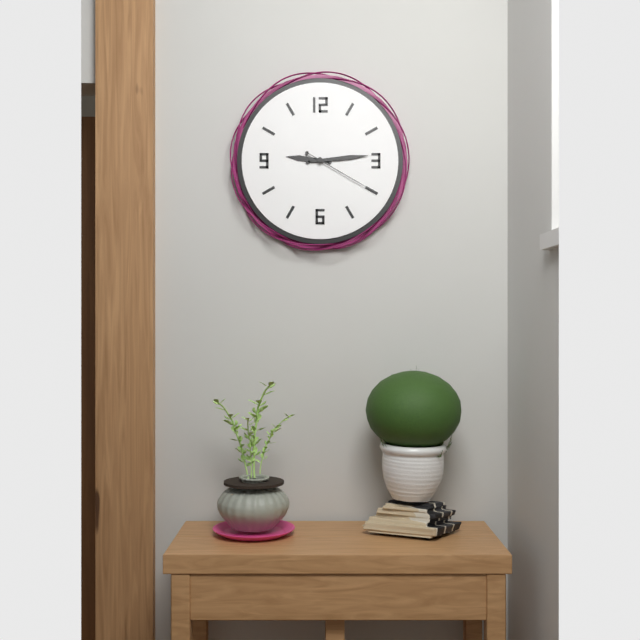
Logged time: 9,14,20
